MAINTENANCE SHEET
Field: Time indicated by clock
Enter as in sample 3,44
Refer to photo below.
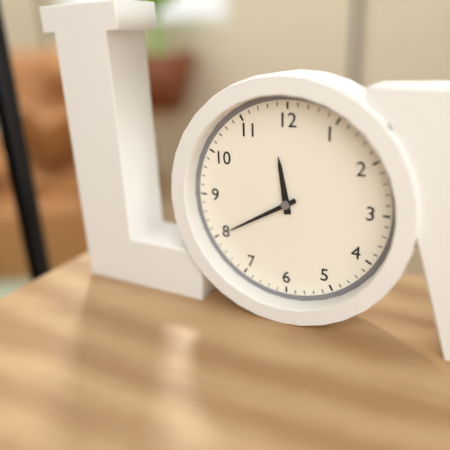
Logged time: 11,40
